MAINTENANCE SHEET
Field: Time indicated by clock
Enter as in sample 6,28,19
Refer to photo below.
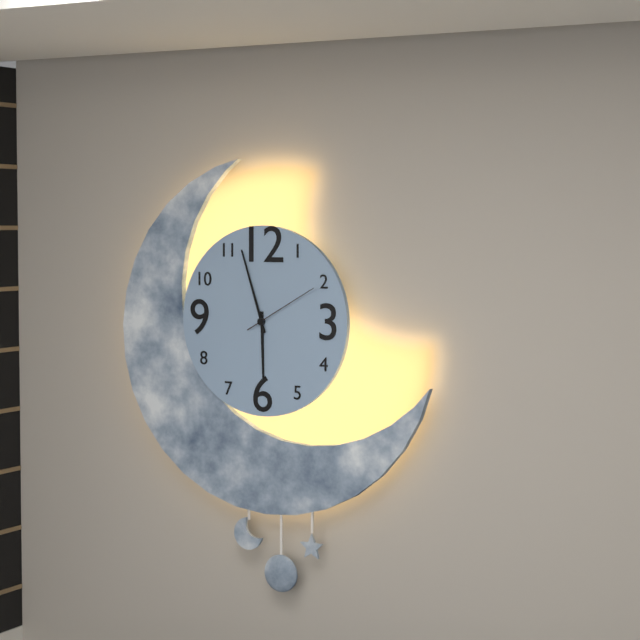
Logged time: 5,57,10
